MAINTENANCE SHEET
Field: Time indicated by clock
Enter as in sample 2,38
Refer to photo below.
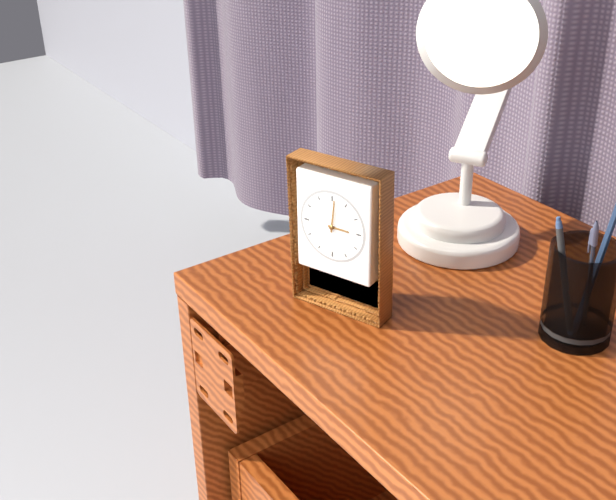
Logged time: 3,01
